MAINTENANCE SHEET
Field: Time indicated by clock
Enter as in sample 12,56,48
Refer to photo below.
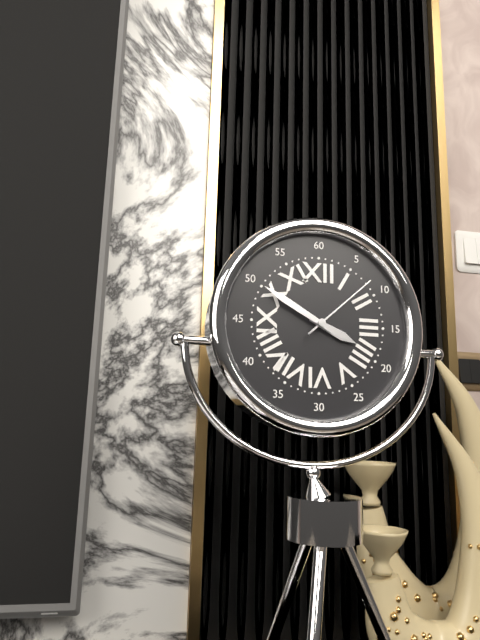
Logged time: 3,50,08
